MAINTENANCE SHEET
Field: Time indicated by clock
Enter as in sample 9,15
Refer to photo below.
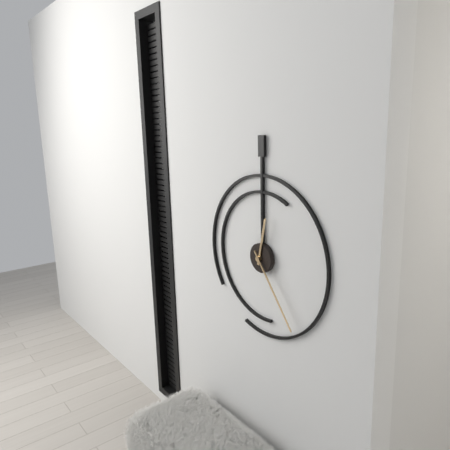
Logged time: 12,24
